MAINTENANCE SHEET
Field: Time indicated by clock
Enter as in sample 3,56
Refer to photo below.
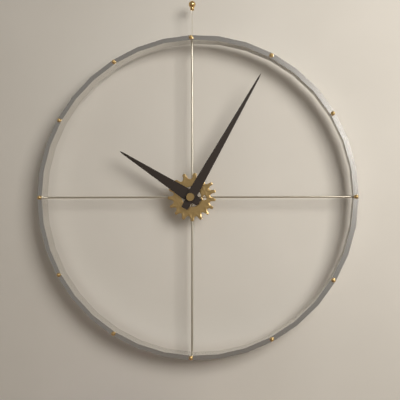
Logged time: 10,05
